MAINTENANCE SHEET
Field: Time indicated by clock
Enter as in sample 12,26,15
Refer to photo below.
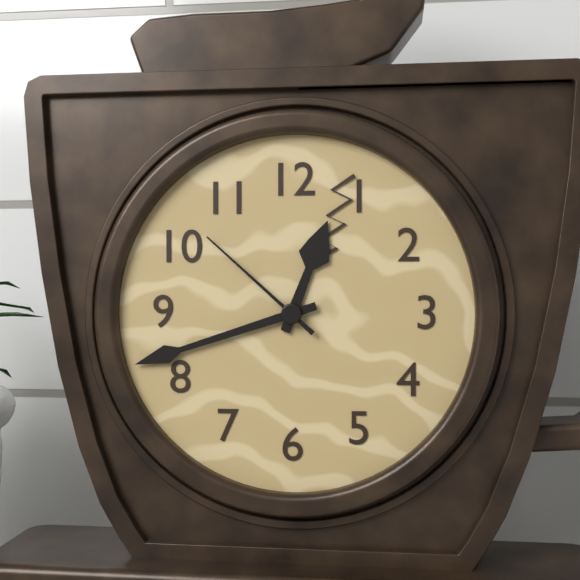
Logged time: 12,42,52
